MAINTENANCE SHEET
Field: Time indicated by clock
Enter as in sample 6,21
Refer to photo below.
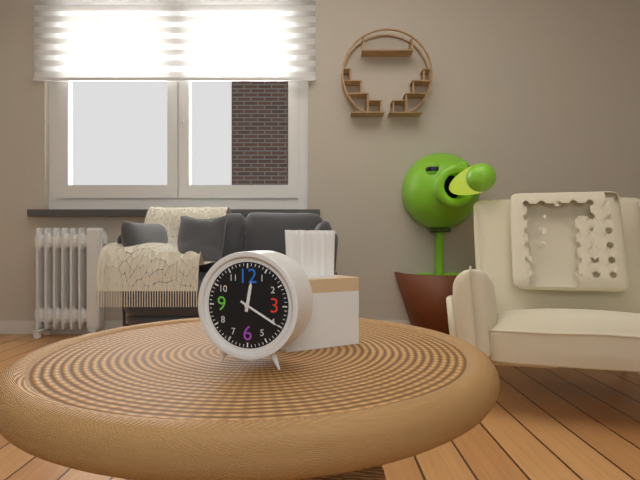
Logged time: 12,20
